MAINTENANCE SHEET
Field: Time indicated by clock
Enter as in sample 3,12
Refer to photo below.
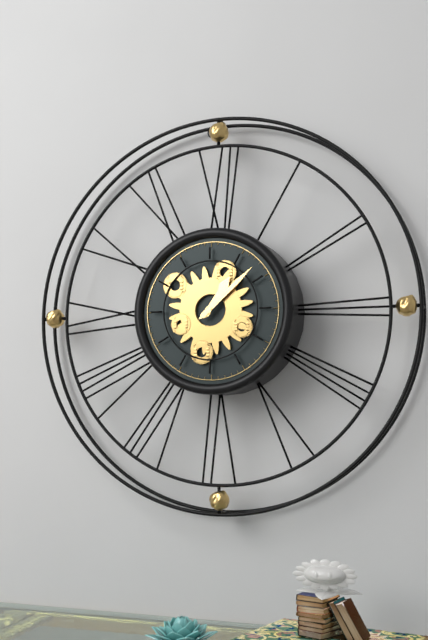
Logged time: 1,08
